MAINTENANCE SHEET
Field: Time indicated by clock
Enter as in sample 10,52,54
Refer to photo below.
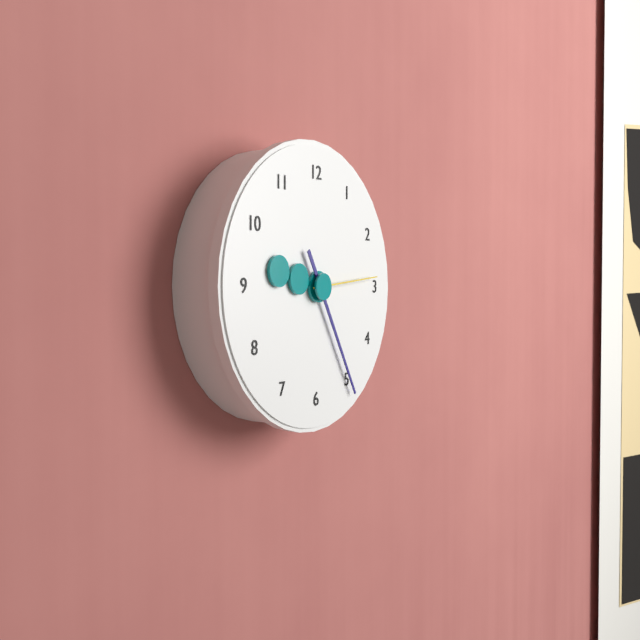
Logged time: 9,25,14
